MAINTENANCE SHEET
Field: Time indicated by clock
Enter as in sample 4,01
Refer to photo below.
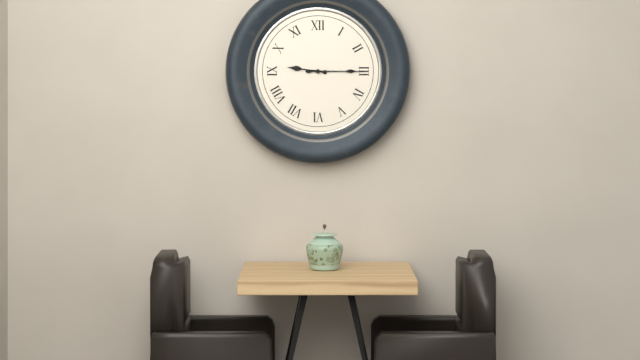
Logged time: 9,15
